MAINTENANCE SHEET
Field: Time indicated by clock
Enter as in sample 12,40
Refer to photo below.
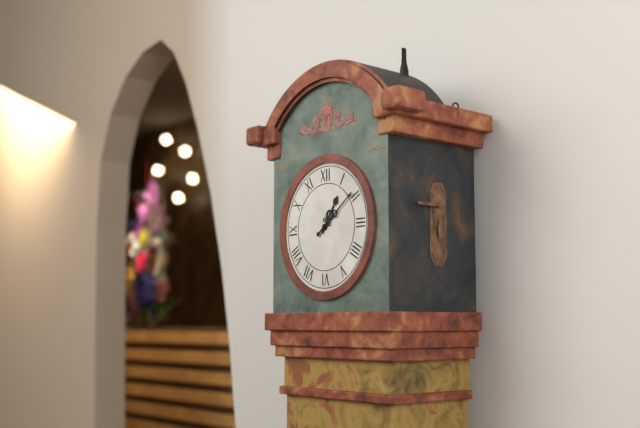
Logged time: 1,09
